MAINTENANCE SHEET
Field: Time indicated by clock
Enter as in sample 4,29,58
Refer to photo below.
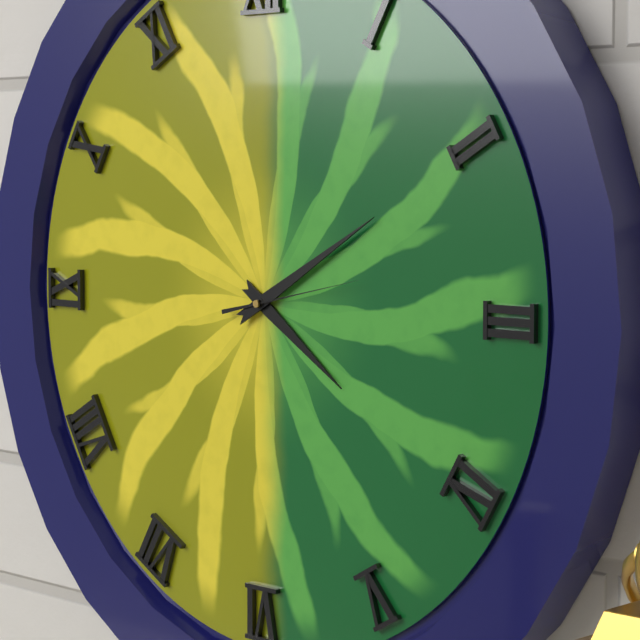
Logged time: 4,10,13
